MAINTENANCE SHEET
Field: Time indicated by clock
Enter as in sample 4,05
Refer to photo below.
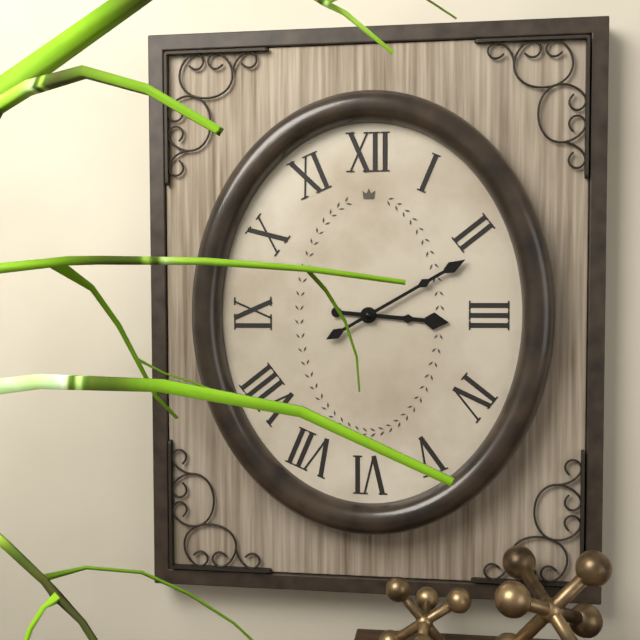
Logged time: 3,10
